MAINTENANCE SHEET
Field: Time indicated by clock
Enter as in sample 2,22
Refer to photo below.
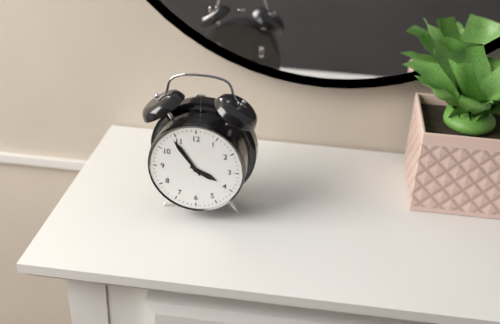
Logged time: 3,54
